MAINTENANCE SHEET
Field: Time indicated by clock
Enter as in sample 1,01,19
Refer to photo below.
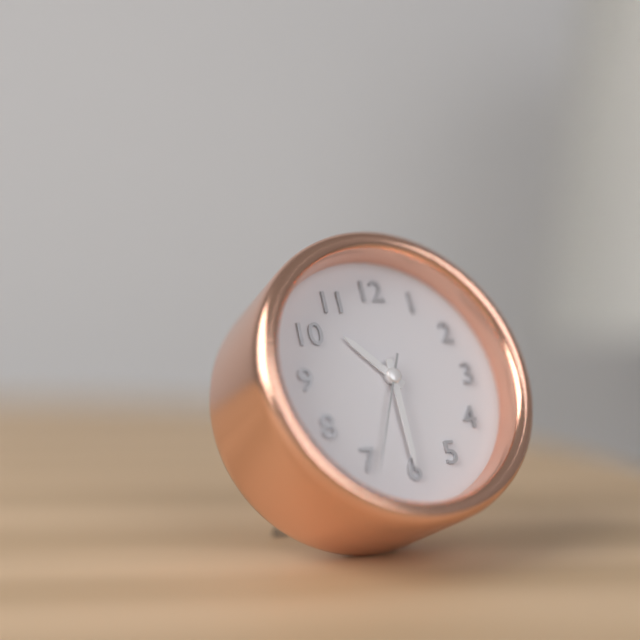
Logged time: 10,30,34
